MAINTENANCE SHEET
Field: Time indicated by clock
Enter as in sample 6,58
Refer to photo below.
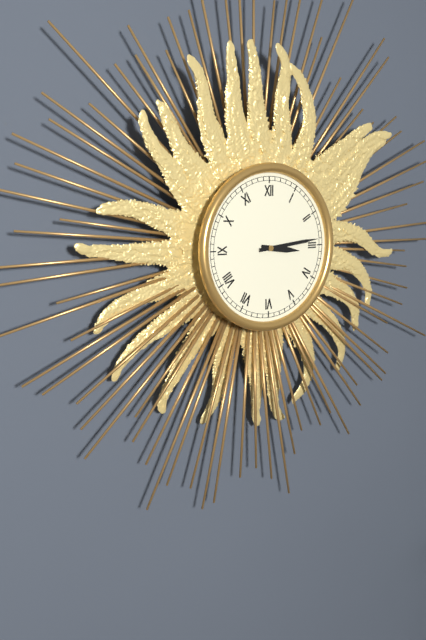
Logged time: 3,14
